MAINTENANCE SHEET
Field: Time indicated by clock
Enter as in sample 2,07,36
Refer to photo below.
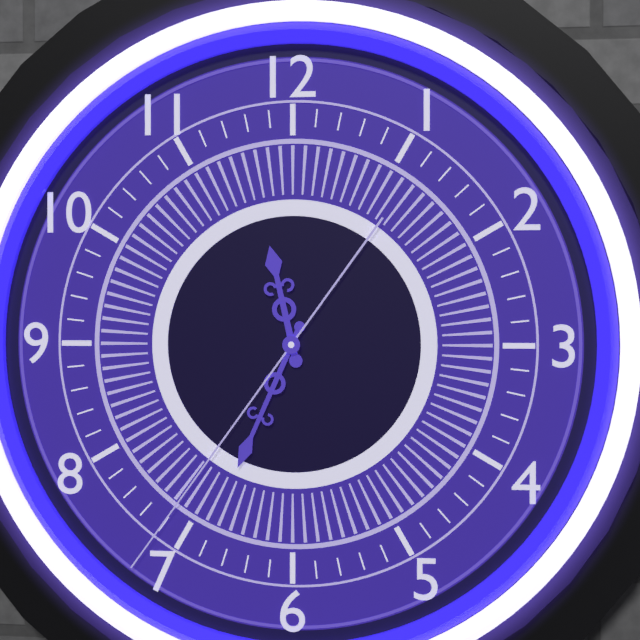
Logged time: 11,34,36
